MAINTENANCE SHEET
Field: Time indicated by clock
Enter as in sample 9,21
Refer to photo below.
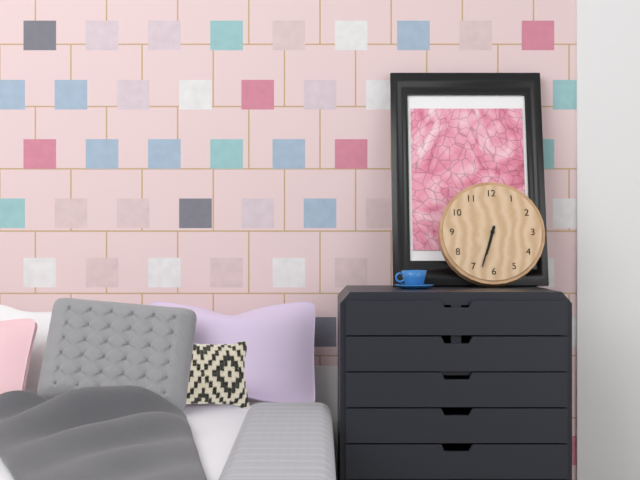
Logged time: 6,33
